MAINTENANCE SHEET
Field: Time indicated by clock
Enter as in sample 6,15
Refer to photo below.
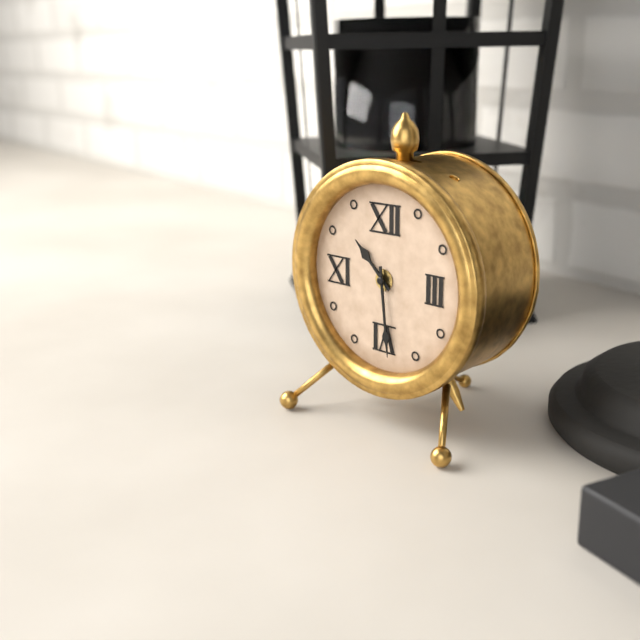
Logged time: 10,29
